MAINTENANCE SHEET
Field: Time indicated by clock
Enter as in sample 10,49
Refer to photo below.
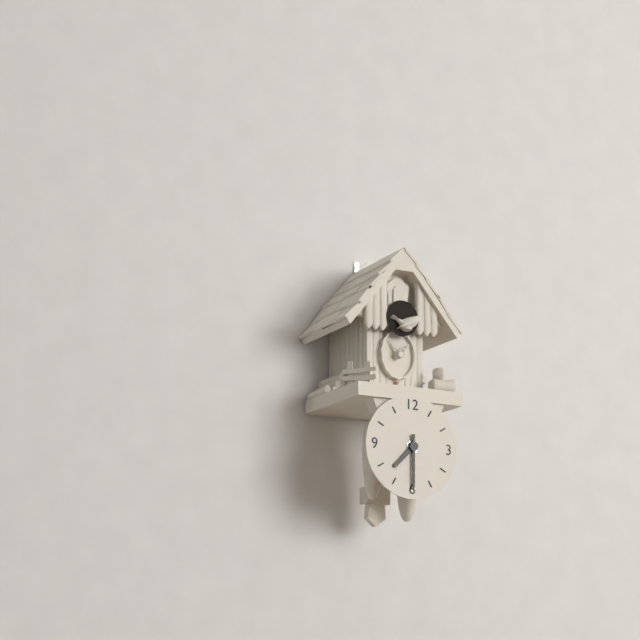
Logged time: 7,30
